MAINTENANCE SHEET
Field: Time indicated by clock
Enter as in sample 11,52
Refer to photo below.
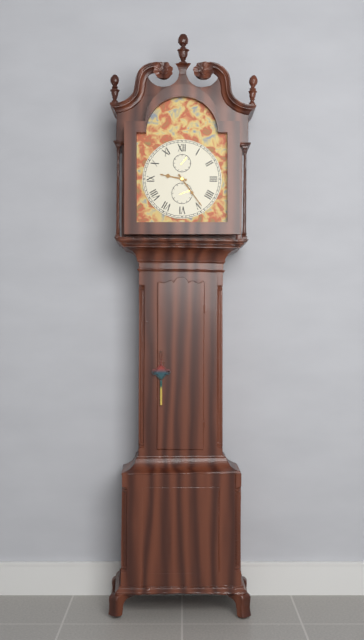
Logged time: 9,24
